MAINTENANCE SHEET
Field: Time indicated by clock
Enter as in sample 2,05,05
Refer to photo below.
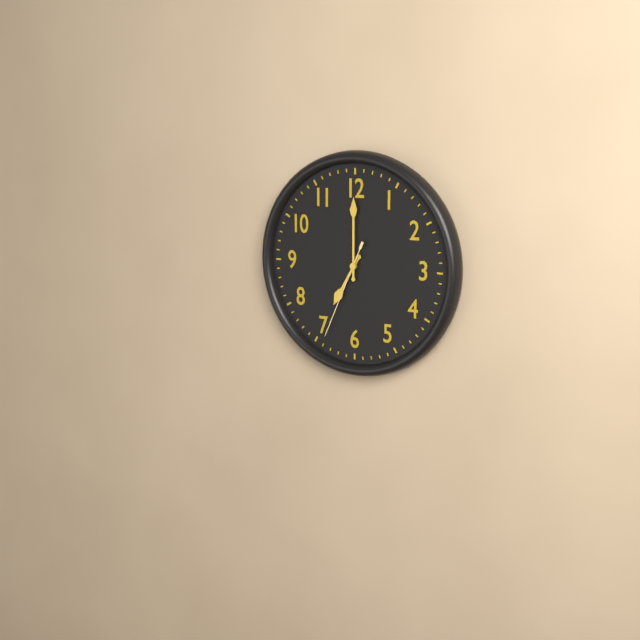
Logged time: 7,00,34
